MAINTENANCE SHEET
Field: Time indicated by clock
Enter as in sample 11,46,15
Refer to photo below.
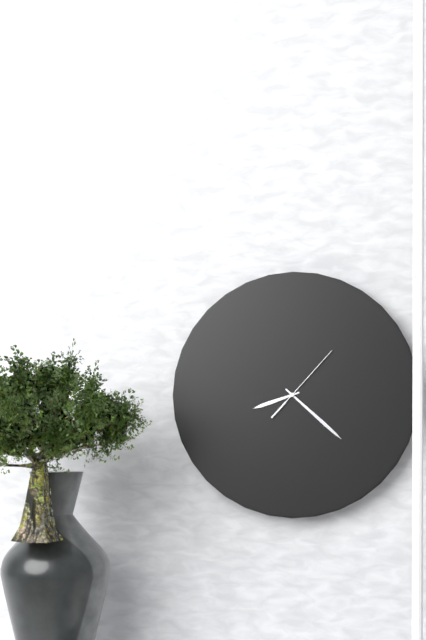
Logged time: 8,22,07
